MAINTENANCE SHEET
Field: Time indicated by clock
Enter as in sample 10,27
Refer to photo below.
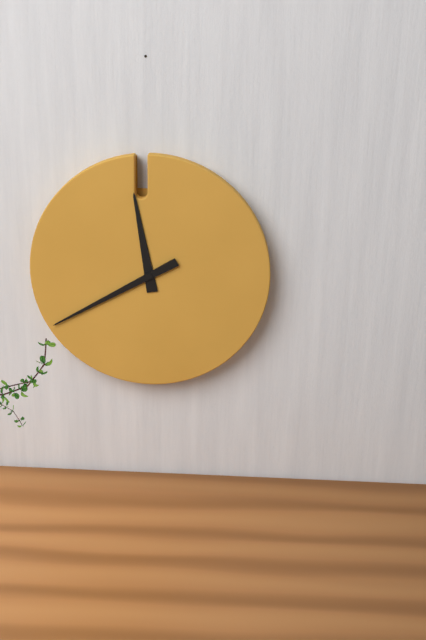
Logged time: 11,40
